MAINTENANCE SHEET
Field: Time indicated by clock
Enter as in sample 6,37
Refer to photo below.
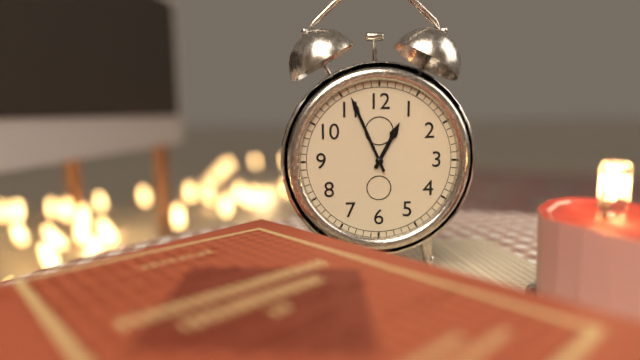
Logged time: 12,56
